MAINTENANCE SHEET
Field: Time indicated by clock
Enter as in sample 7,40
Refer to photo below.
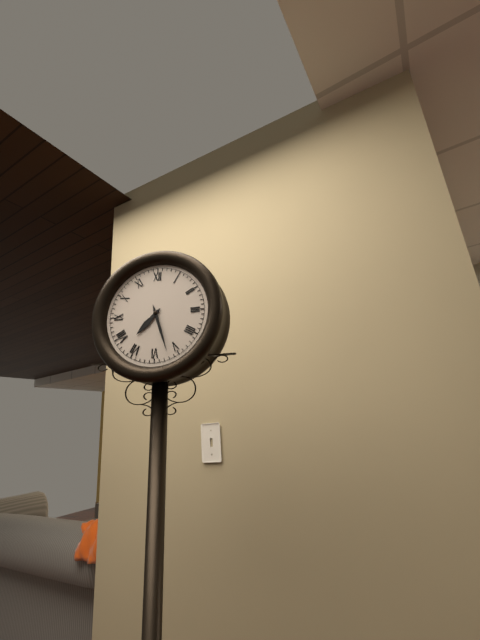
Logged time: 7,27
